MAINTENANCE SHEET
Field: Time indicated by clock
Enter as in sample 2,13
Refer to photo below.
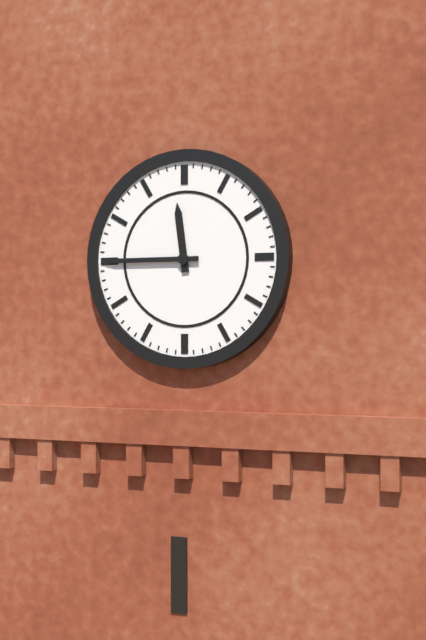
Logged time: 11,45
